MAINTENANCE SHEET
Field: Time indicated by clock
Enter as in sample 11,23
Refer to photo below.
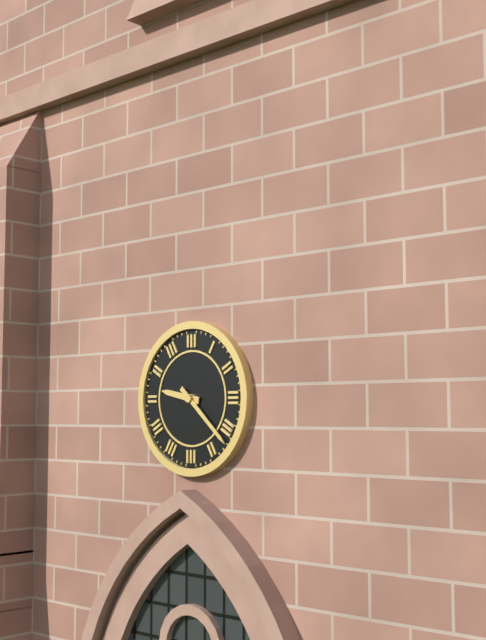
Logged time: 9,22
